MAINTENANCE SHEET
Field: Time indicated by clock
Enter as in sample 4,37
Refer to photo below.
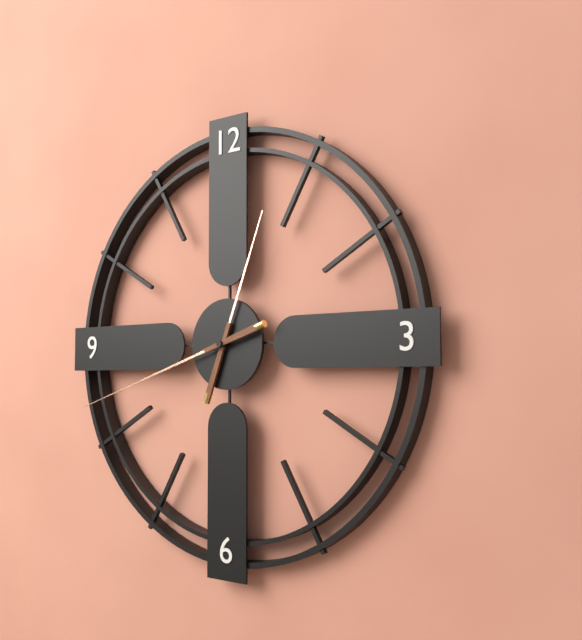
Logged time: 12,42
